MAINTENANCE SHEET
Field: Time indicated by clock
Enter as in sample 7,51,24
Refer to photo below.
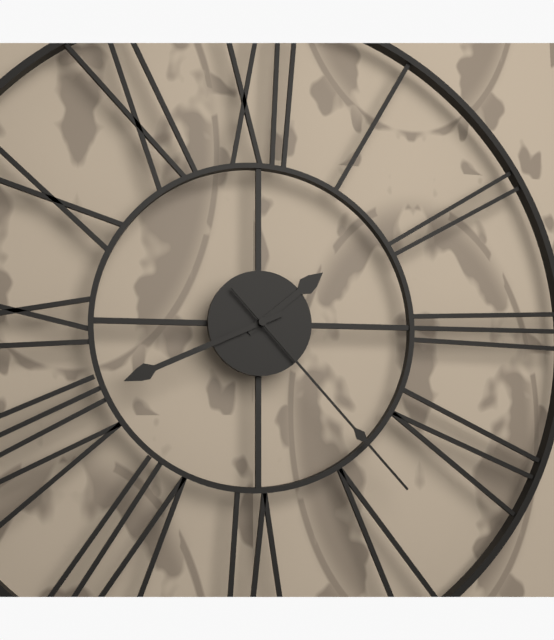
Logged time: 1,41,23
